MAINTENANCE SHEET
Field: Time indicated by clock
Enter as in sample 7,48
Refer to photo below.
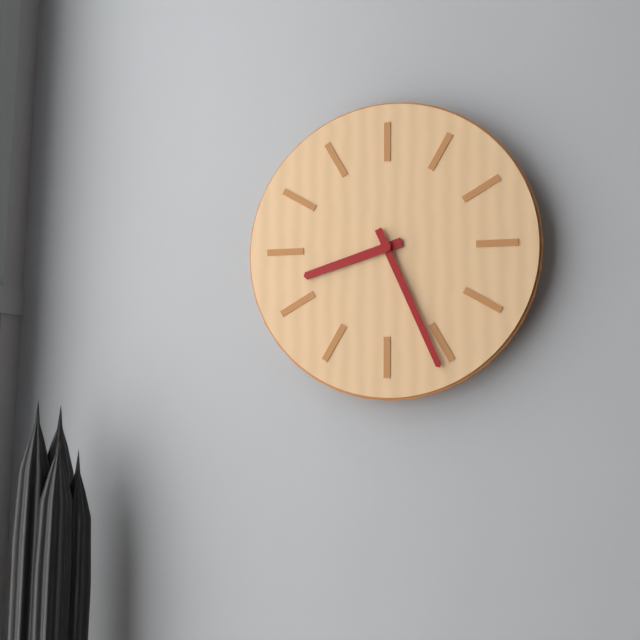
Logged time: 8,26
